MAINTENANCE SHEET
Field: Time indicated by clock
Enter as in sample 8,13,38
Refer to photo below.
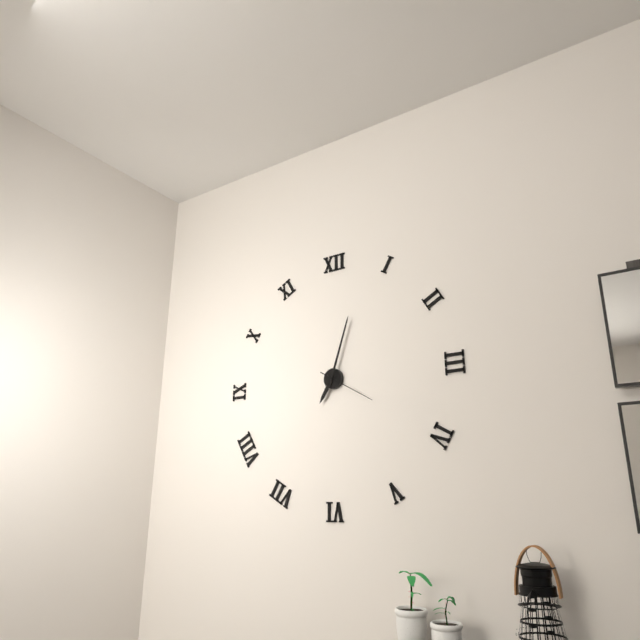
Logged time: 7,03,20
